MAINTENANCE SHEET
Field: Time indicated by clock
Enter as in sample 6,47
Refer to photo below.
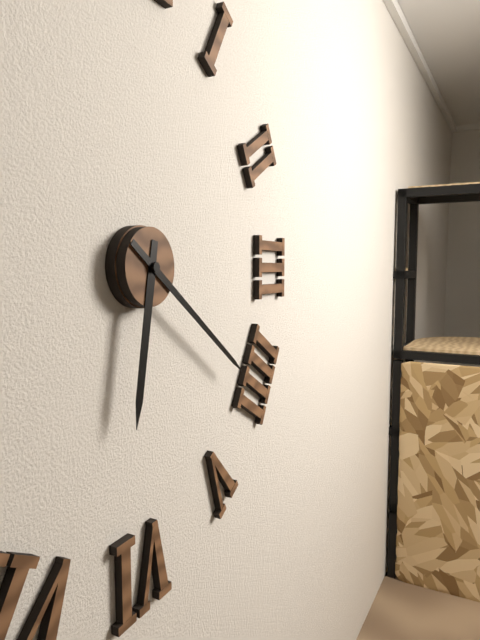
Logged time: 6,21
